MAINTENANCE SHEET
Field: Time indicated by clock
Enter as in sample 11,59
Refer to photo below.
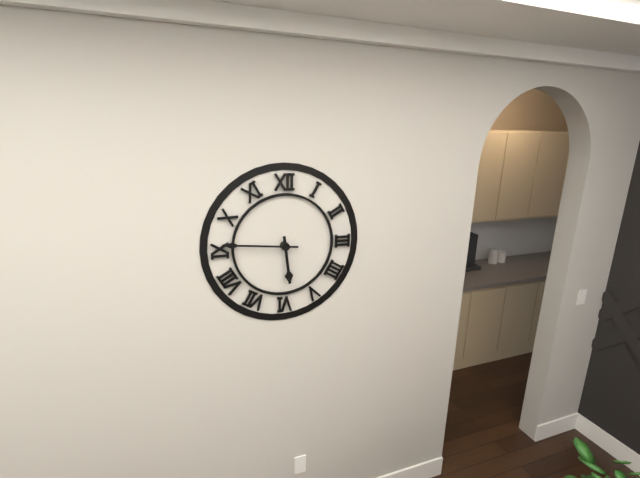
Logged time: 5,46
